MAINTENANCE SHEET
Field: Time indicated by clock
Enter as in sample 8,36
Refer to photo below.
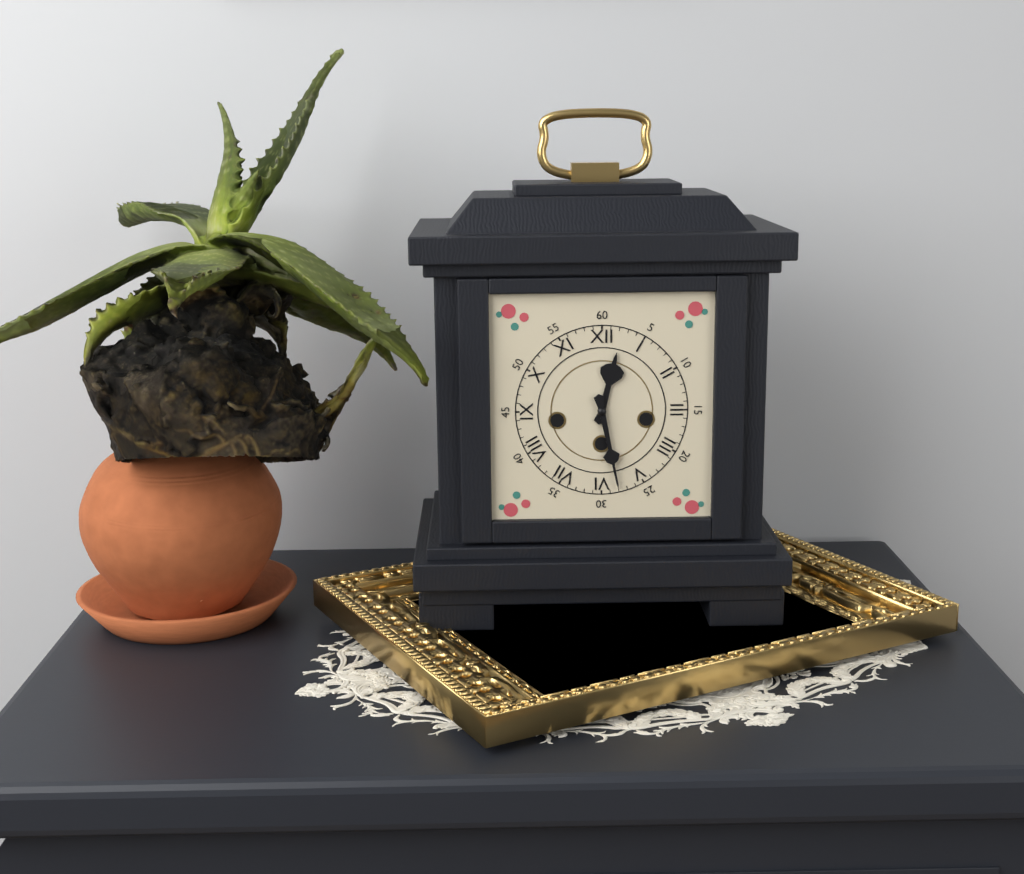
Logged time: 12,28
